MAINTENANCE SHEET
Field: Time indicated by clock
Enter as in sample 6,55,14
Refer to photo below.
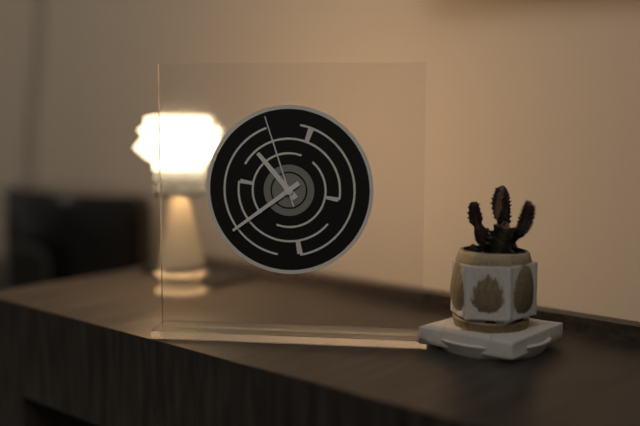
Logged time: 10,39,57
